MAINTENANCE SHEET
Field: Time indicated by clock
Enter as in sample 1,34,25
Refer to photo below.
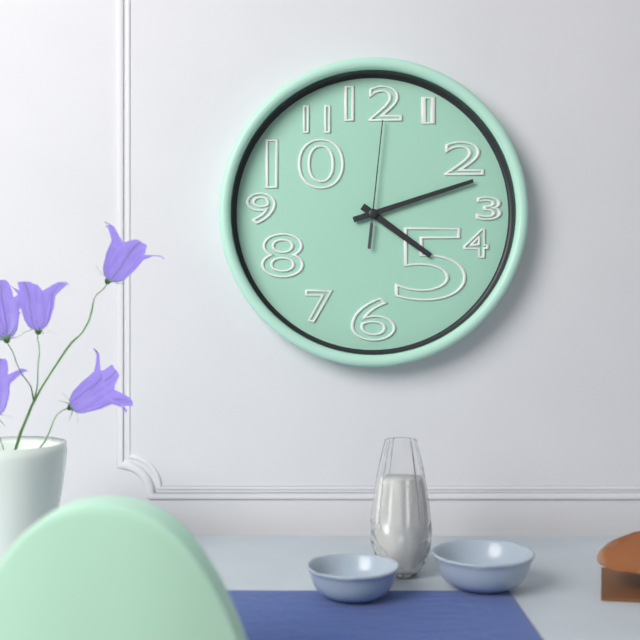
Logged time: 4,12,01
